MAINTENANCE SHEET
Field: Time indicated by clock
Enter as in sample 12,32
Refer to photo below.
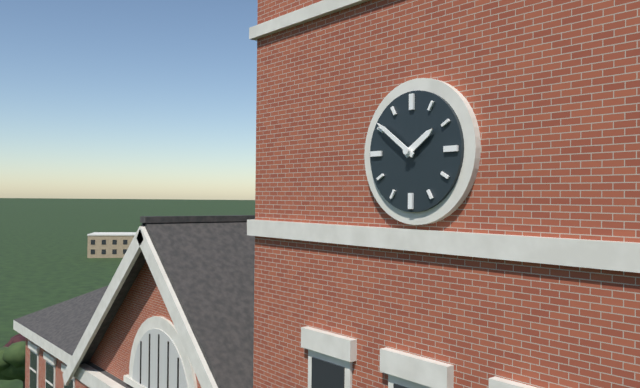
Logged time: 1,51
